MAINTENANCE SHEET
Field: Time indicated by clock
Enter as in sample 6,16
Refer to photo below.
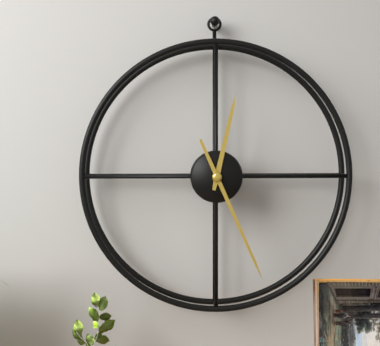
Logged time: 12,26
